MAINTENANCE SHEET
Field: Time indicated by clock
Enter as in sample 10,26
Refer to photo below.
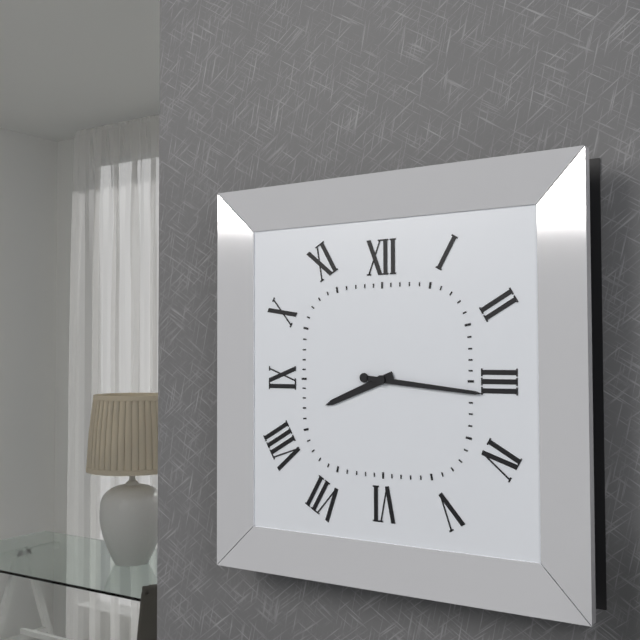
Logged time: 8,16
